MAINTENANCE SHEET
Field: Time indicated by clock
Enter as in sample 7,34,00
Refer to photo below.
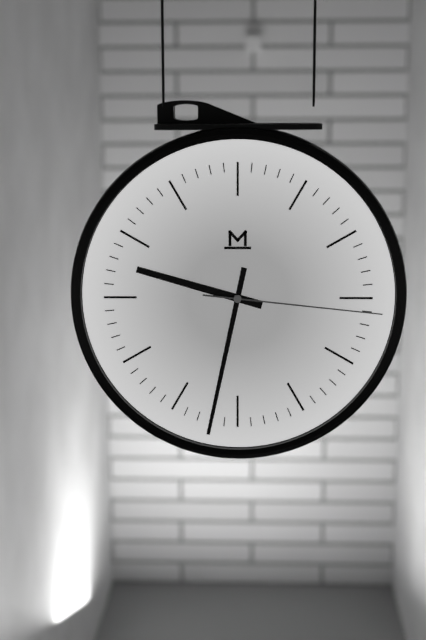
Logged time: 9,32,16
